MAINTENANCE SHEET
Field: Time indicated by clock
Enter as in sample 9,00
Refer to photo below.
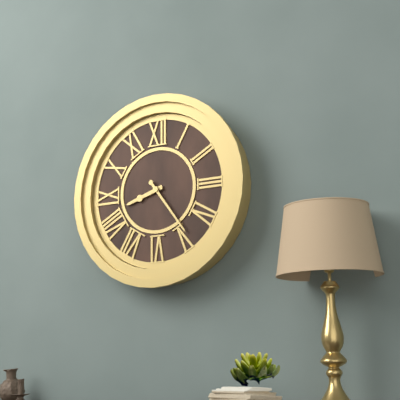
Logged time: 8,24
